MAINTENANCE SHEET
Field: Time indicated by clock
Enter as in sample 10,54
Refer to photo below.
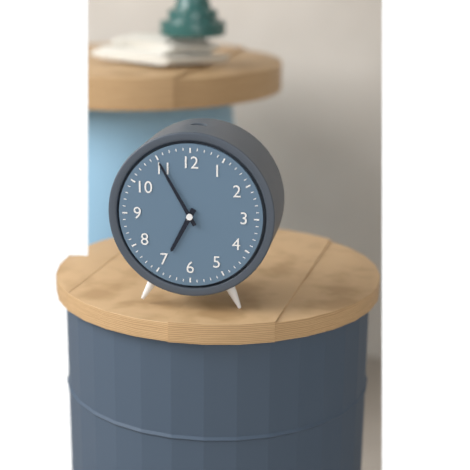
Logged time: 6,55
